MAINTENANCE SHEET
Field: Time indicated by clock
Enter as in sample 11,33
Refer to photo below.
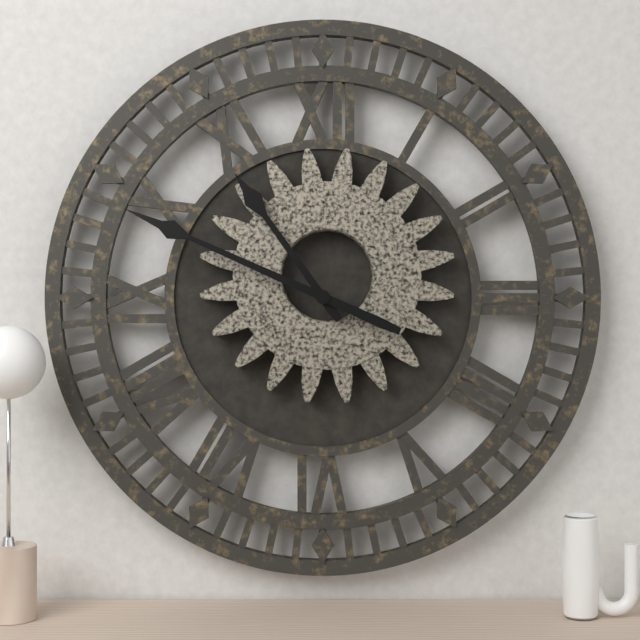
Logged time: 10,49
